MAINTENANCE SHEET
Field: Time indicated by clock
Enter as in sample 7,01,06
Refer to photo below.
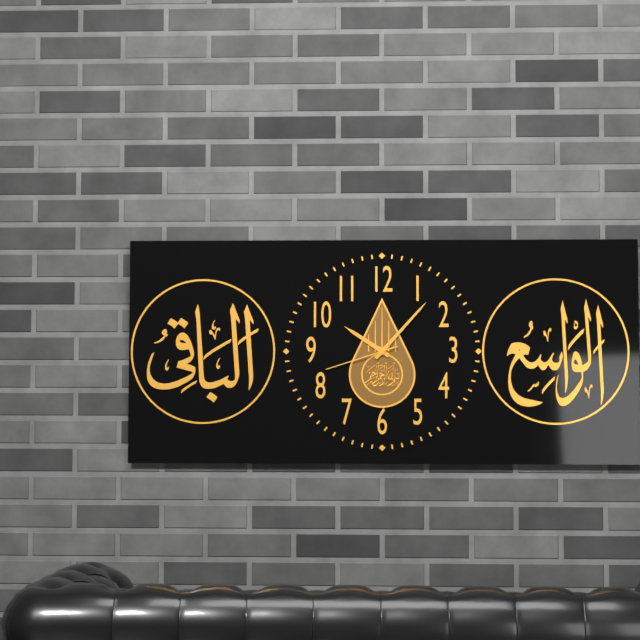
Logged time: 10,07,42
